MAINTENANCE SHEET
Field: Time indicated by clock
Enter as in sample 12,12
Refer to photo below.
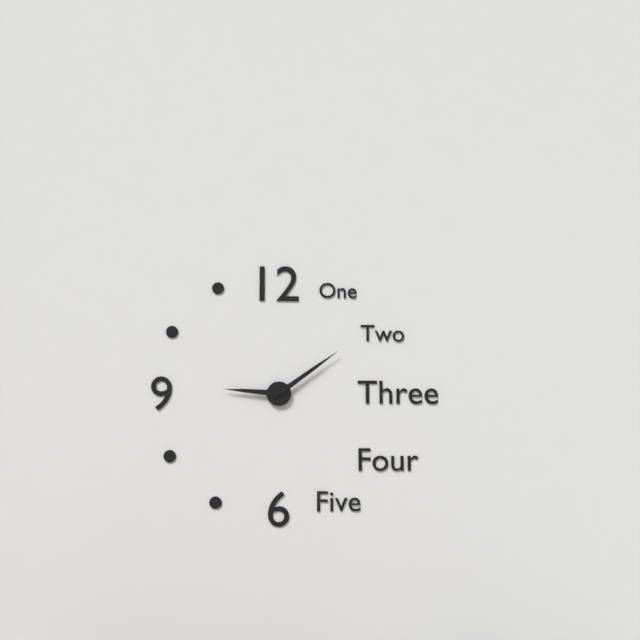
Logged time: 9,09
